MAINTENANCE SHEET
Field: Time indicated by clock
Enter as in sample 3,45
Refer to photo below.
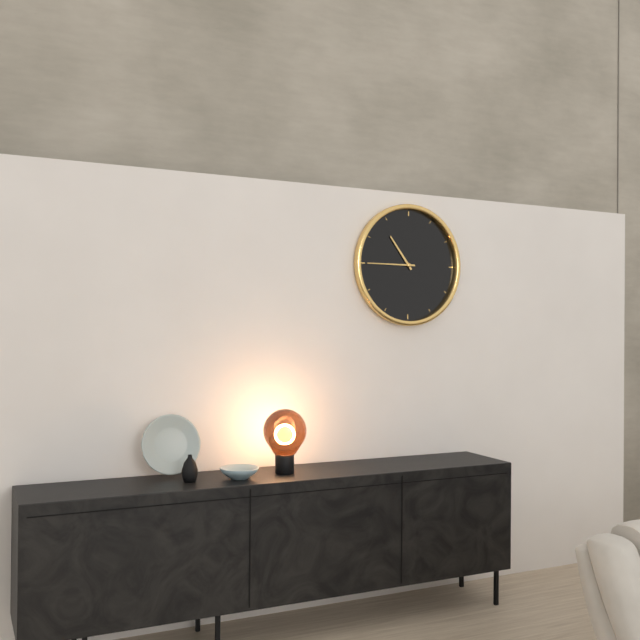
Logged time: 10,45
